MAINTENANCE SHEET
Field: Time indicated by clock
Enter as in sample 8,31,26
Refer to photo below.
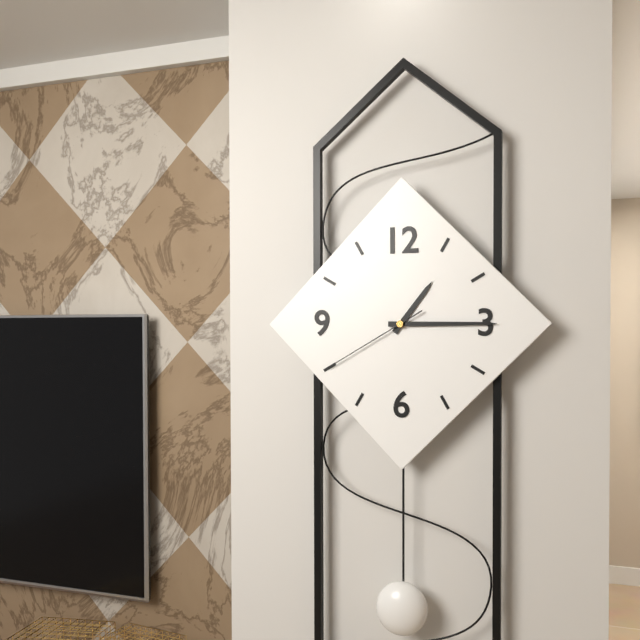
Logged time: 1,15,40
